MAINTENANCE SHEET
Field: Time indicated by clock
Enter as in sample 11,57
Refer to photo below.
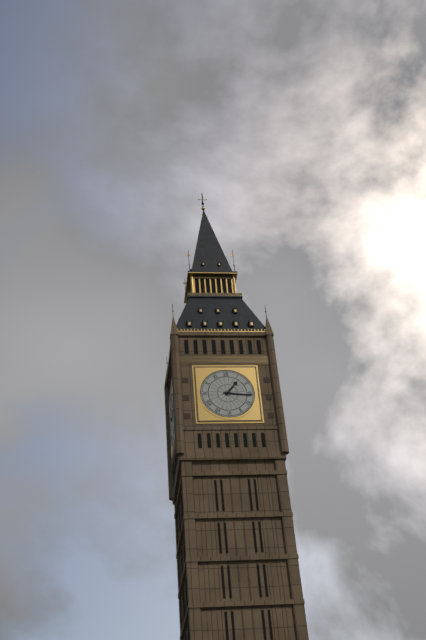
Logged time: 1,16
